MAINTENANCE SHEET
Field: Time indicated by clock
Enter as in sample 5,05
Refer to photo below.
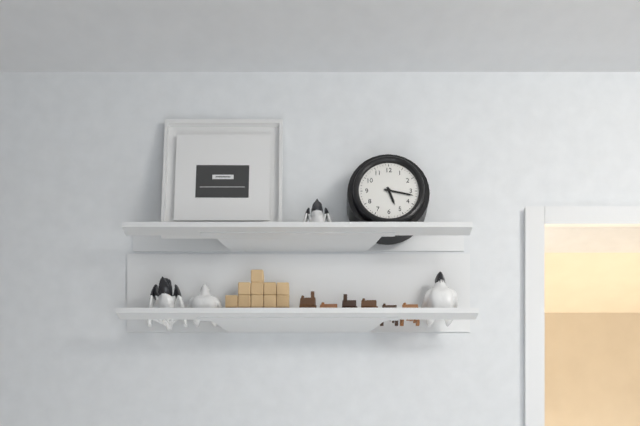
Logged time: 5,17
